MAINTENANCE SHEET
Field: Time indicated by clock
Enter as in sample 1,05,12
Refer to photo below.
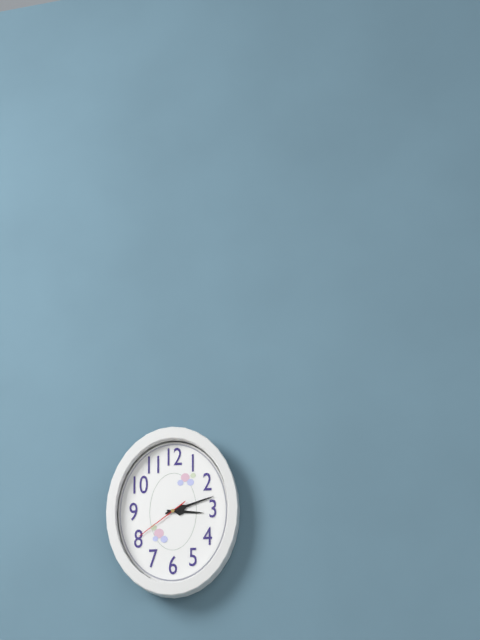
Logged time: 3,12,39
